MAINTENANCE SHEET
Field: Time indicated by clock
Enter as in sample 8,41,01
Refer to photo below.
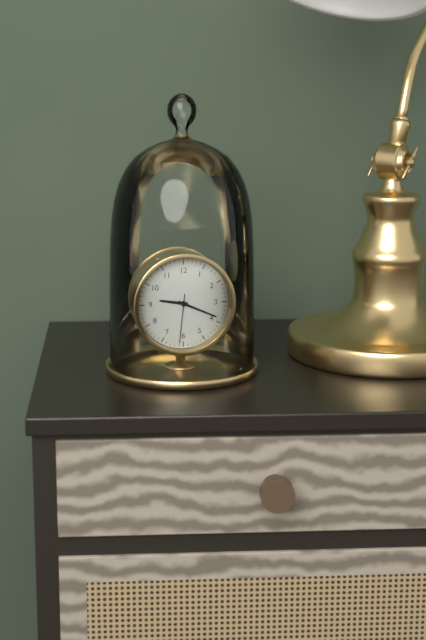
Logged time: 9,19,31
